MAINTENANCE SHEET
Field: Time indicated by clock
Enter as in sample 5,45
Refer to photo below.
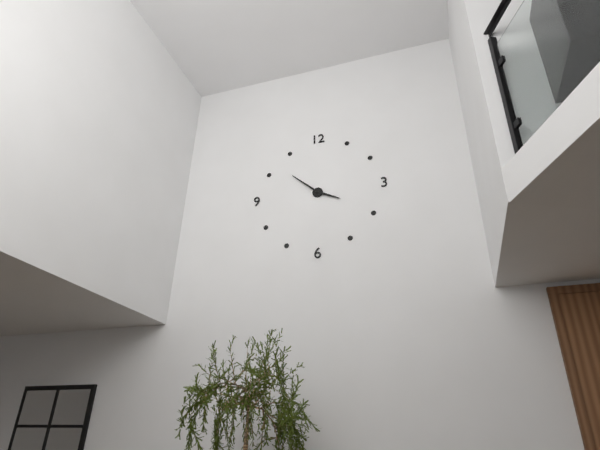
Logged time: 3,52
